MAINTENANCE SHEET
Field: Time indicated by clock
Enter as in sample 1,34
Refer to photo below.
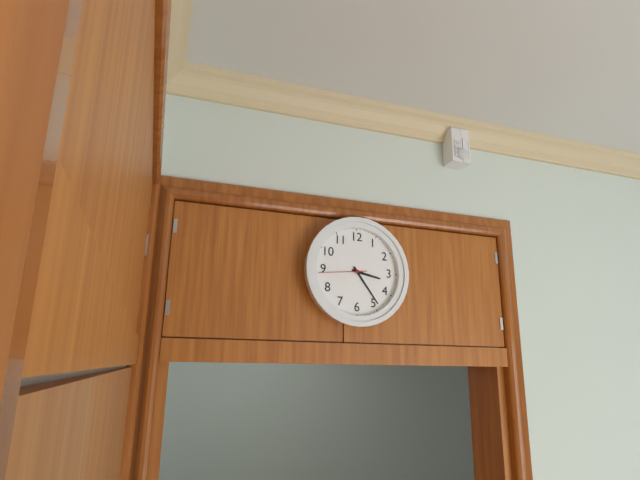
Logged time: 3,24
